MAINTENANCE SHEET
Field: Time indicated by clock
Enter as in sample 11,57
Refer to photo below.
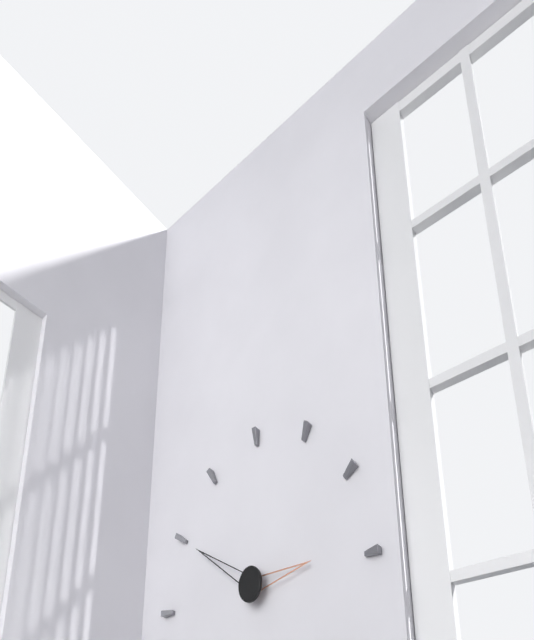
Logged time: 2,50
